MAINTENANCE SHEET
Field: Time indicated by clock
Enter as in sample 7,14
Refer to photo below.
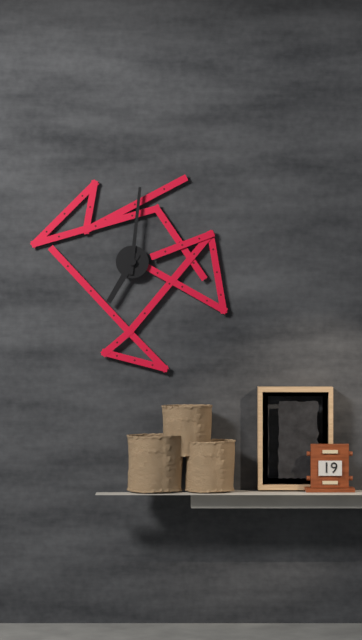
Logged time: 7,01
